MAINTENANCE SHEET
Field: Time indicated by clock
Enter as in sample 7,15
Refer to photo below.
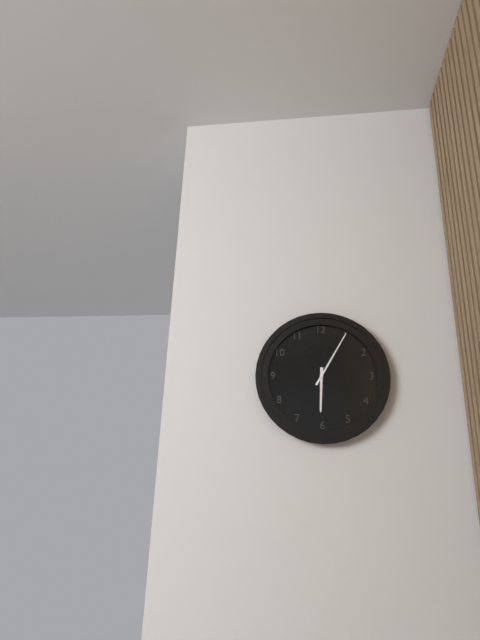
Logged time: 6,05
